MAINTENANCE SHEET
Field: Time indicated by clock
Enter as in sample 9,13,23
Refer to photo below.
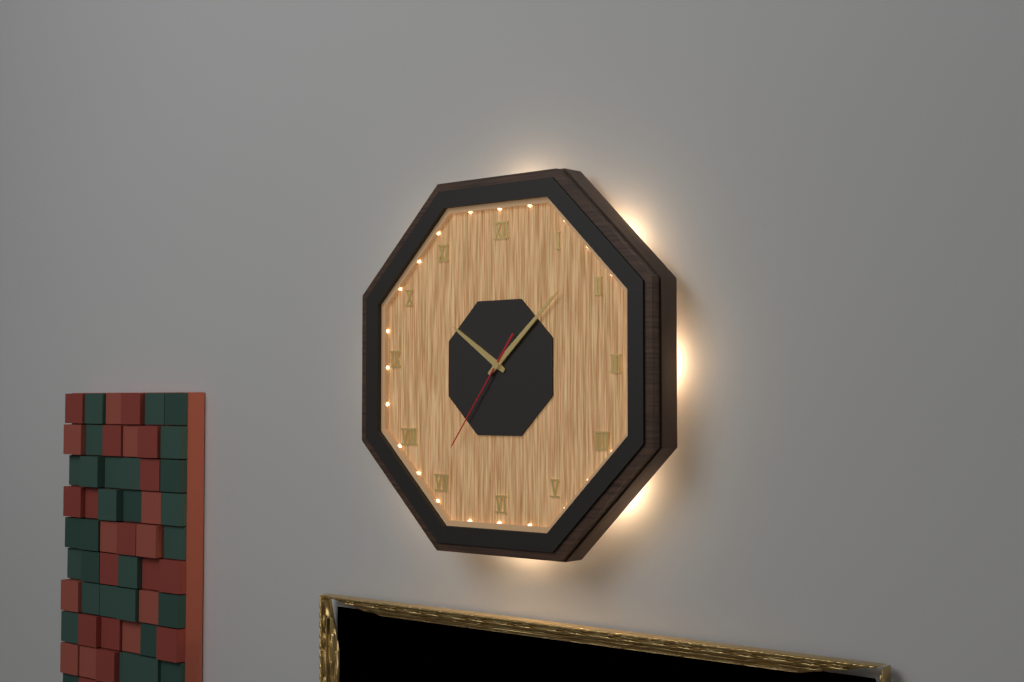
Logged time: 10,08,36
